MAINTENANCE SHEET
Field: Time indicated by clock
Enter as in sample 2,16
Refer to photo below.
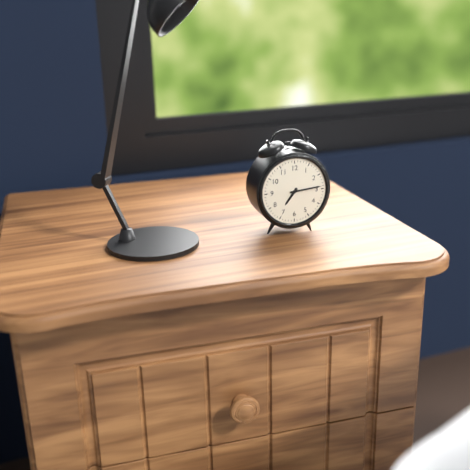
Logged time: 7,14
